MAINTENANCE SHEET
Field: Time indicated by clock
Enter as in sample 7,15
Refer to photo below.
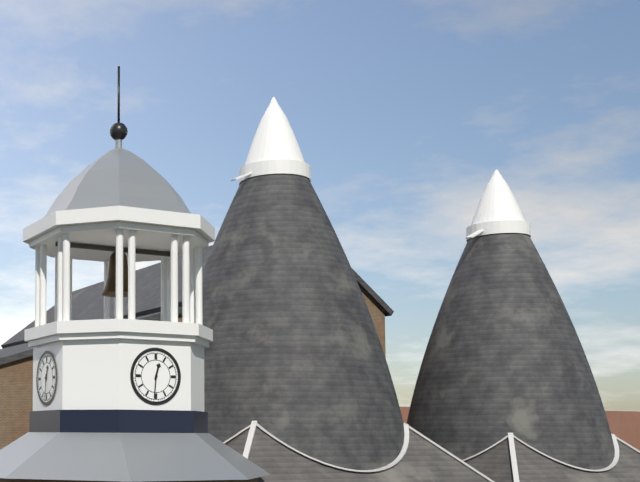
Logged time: 12,31
